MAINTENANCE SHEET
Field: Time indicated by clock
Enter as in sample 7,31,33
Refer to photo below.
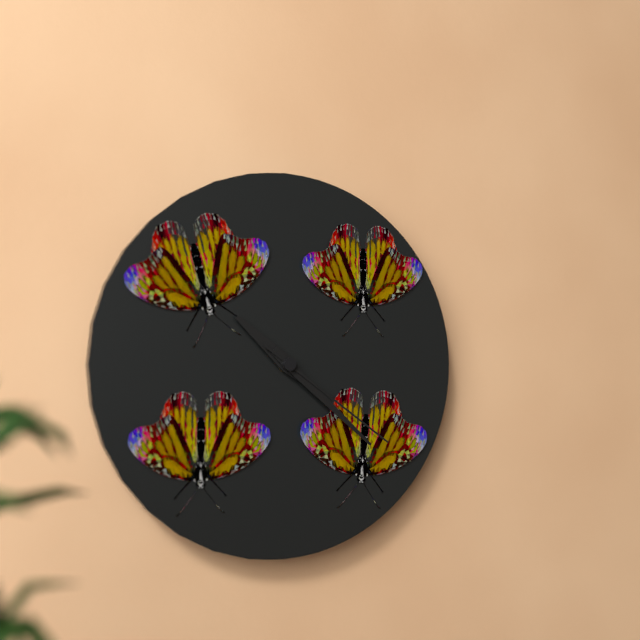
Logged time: 10,22,21
